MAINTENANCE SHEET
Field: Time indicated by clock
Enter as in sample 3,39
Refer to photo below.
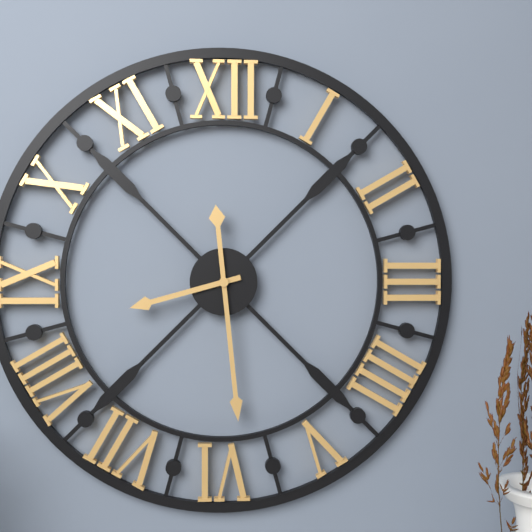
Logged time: 8,29
